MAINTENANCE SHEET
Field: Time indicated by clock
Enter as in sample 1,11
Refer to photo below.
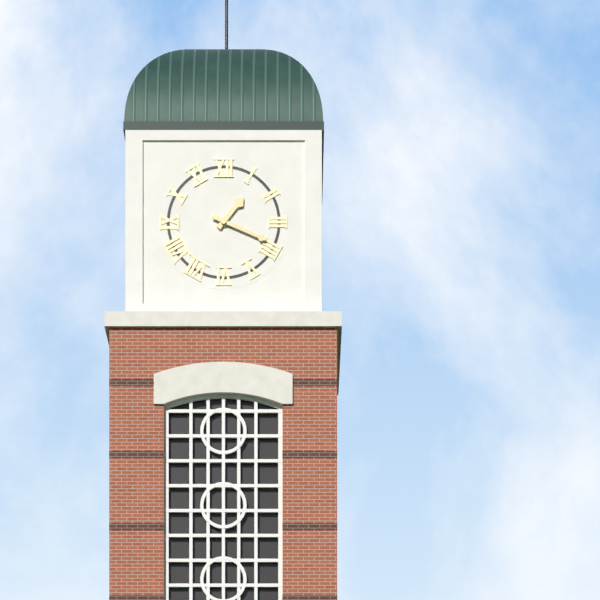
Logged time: 1,19
